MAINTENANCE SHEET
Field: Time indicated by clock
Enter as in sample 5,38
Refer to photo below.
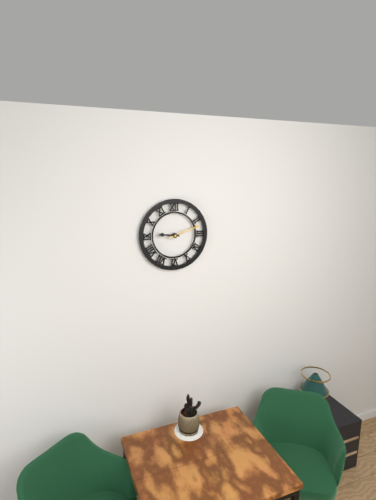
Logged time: 9,12
